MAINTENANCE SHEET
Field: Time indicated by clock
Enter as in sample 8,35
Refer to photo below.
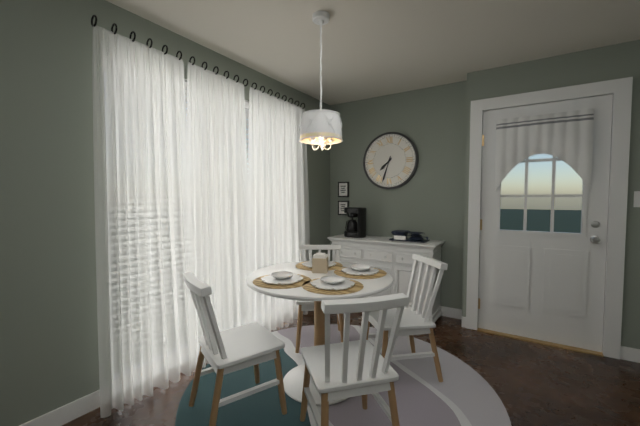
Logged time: 7,33
